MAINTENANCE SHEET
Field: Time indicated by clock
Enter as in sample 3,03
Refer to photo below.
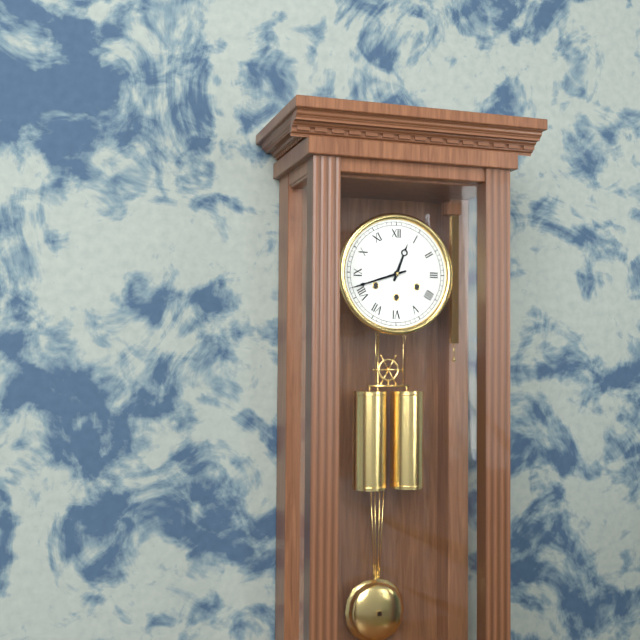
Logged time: 12,42
